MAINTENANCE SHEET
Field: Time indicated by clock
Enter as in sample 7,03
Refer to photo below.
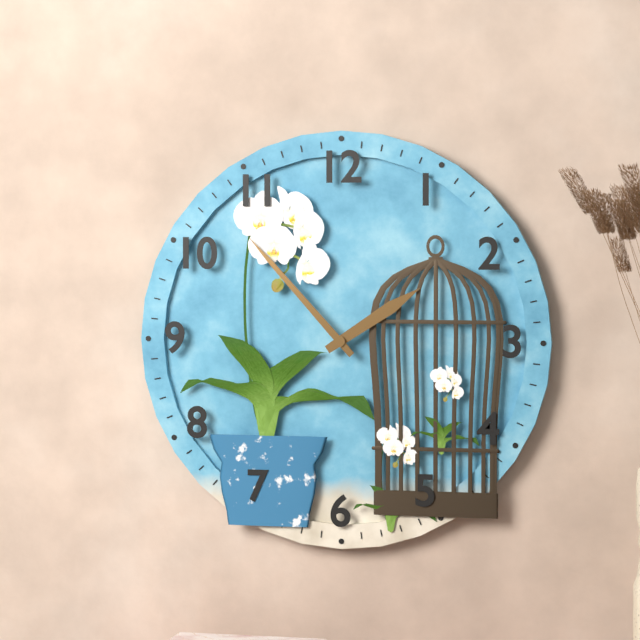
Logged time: 1,53
